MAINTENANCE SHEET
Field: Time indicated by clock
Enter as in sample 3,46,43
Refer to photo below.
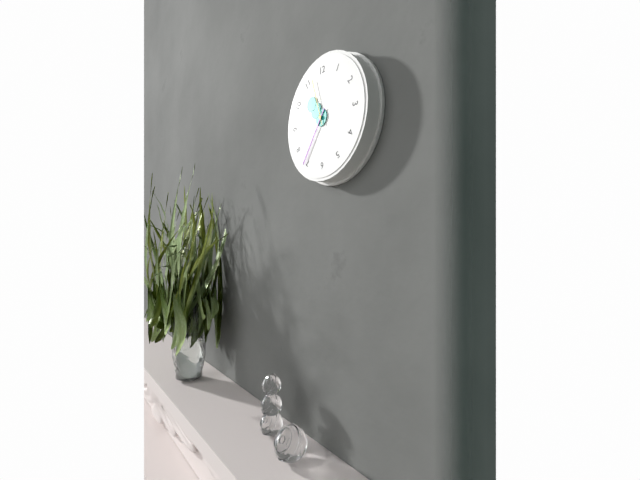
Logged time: 10,36,57
